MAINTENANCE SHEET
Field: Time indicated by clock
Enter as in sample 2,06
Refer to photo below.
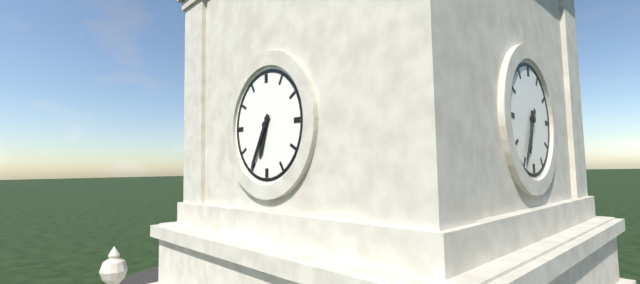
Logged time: 6,35
